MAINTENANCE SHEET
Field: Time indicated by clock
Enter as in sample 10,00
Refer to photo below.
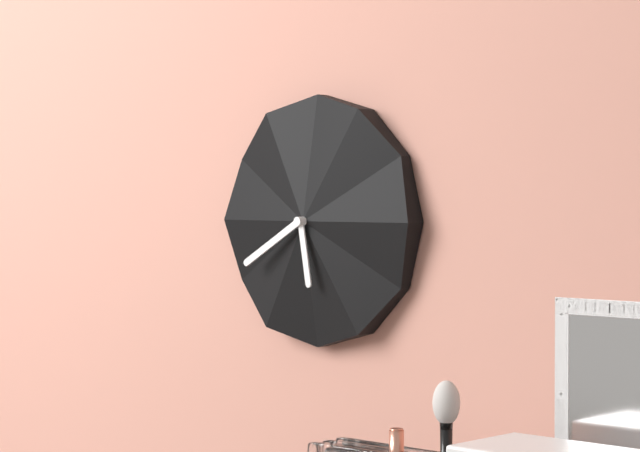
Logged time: 5,40
